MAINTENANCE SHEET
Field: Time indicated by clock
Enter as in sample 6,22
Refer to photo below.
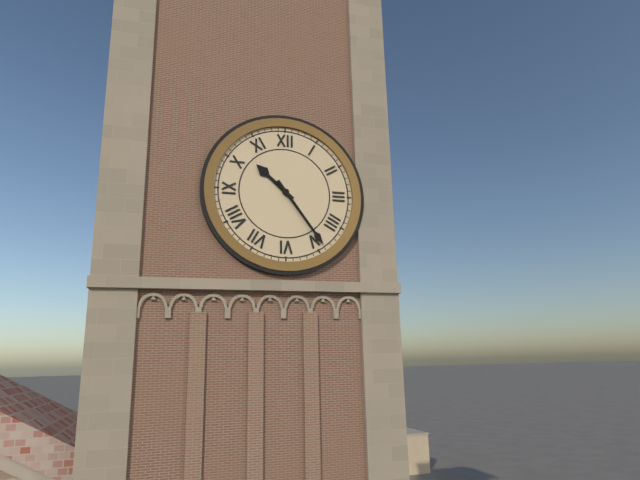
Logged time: 10,24
